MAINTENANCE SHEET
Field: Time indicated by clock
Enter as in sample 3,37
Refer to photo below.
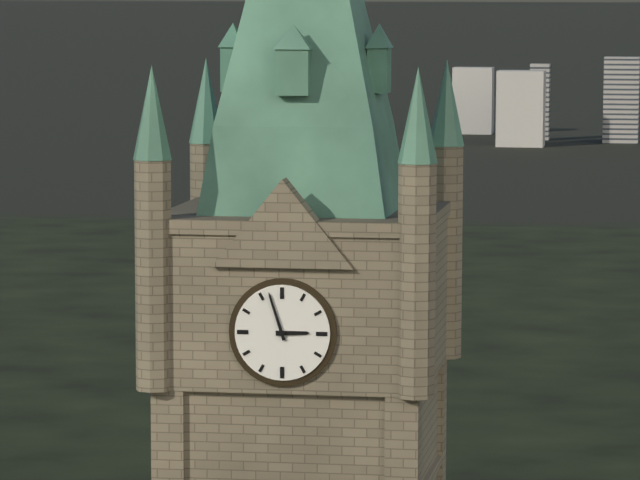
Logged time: 2,57
